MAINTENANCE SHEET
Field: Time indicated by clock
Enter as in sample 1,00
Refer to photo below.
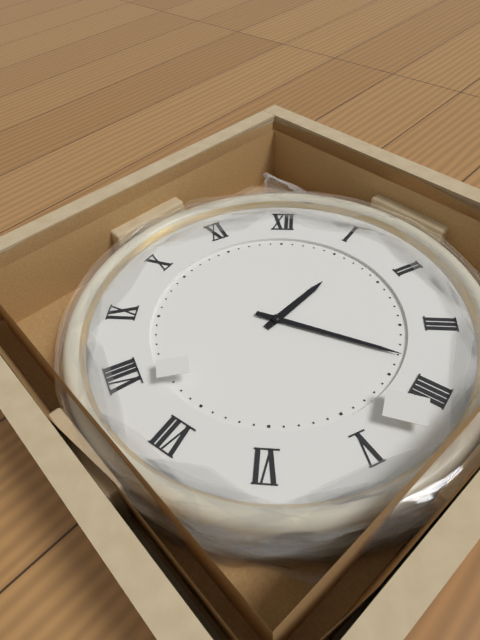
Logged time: 1,18
